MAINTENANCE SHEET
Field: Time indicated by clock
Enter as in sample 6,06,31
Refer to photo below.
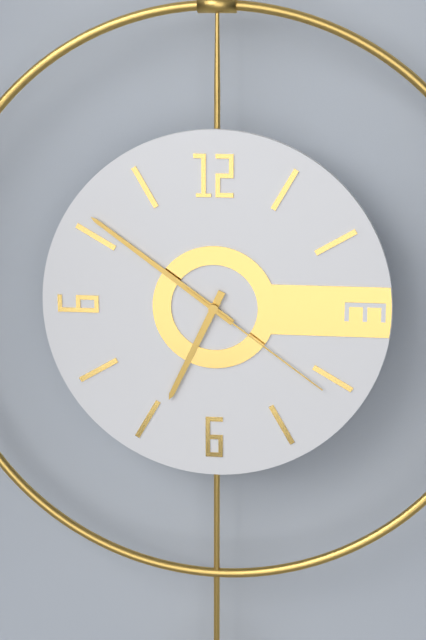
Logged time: 6,51,21
